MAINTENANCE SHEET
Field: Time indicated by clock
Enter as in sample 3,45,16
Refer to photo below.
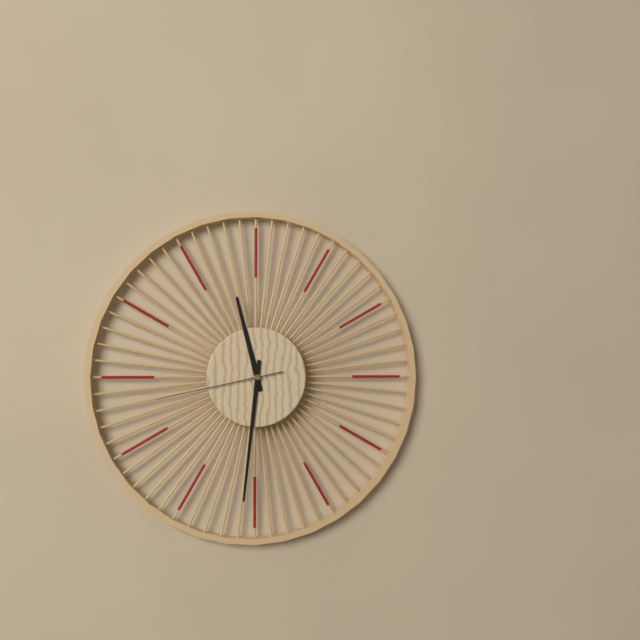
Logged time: 11,31,43
